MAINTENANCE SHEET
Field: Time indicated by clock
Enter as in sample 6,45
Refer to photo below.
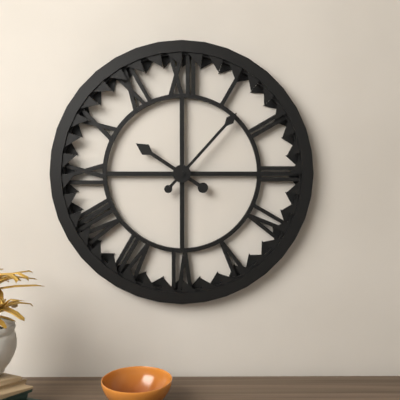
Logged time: 10,07
